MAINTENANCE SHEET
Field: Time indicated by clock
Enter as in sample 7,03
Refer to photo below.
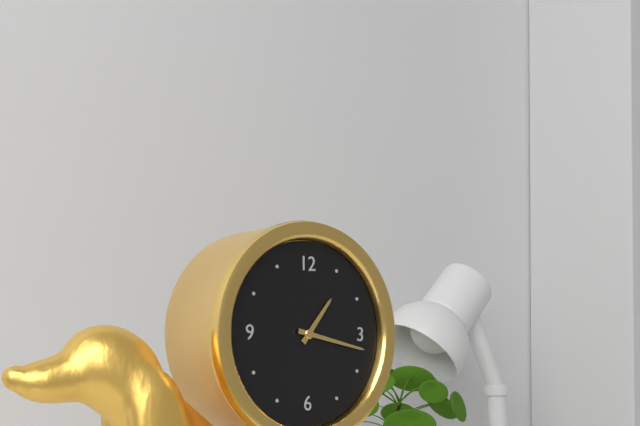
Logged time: 1,17
